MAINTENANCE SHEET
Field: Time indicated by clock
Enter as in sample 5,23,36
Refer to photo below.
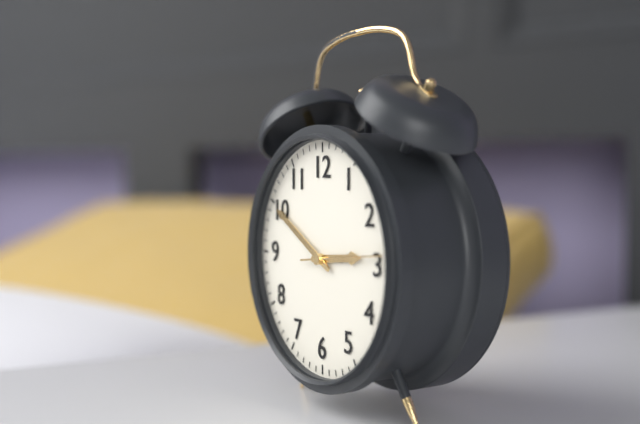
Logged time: 2,50,14
